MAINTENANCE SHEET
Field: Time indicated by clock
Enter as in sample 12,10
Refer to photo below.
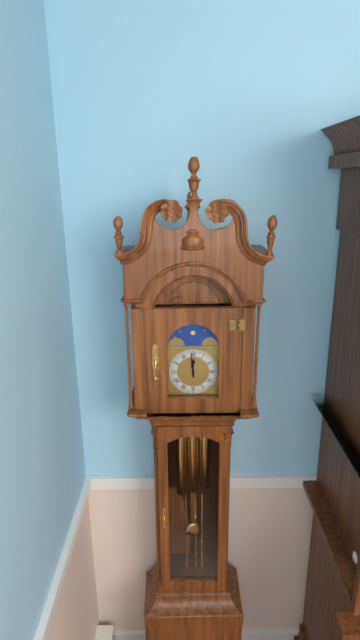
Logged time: 11,59
